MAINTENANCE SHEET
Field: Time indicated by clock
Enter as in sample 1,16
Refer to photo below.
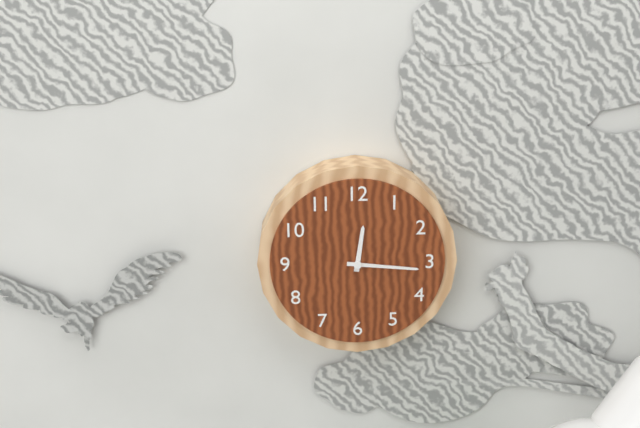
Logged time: 12,16
